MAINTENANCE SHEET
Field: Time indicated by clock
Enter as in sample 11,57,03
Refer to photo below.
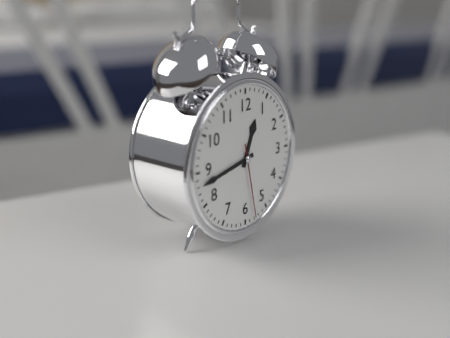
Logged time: 12,43,28
